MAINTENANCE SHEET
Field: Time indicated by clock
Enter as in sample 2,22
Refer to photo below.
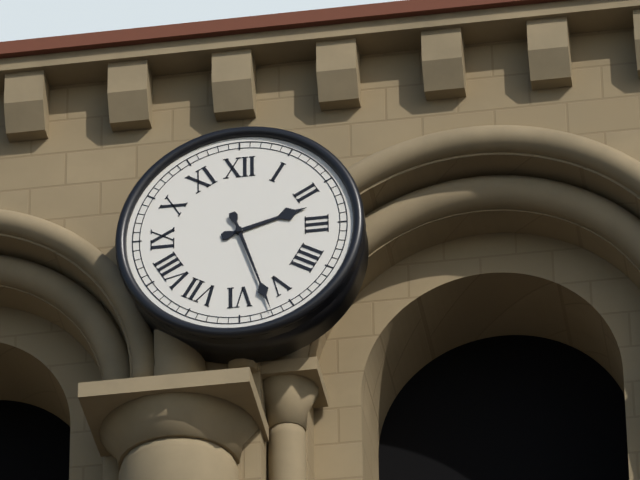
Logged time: 2,27
